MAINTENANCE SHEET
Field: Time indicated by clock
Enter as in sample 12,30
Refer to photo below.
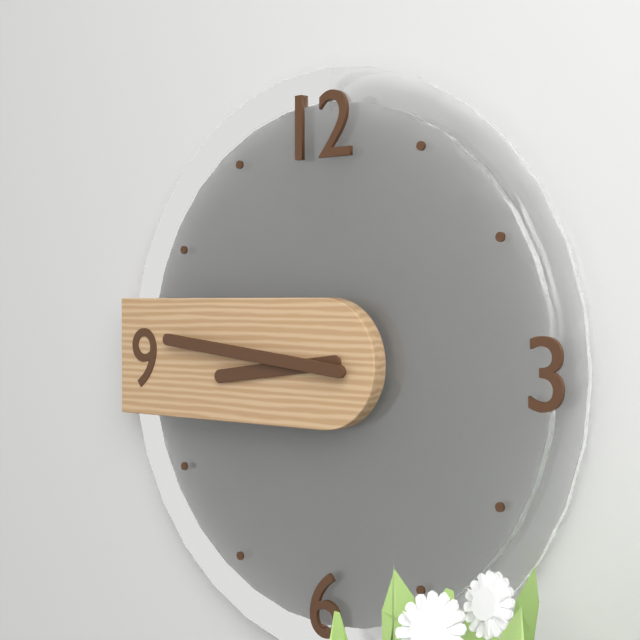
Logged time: 8,46
